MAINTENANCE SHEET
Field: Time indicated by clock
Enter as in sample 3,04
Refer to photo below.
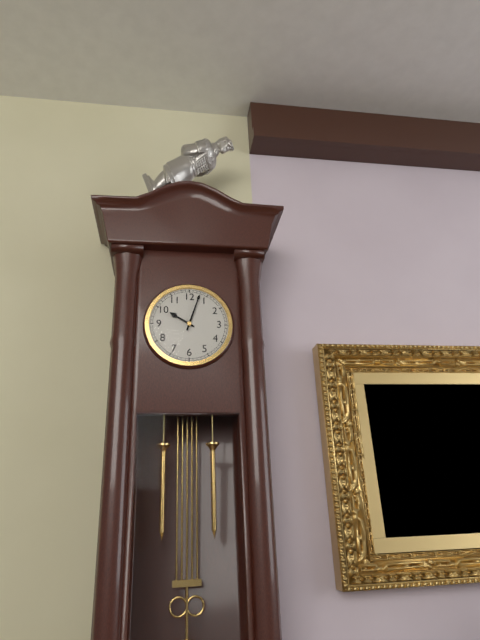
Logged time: 10,03
